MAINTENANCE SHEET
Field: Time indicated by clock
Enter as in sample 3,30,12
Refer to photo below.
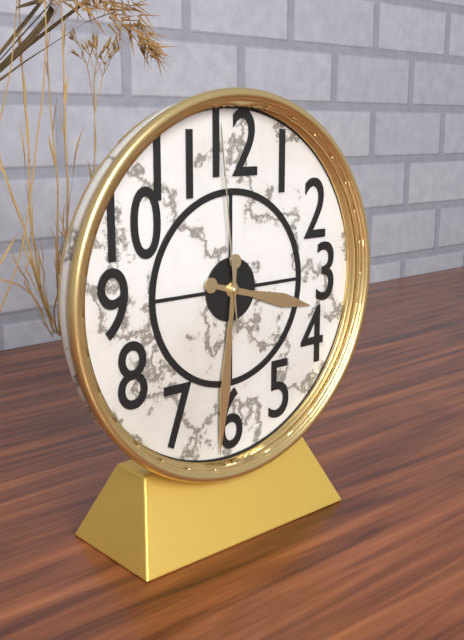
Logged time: 3,31,59
